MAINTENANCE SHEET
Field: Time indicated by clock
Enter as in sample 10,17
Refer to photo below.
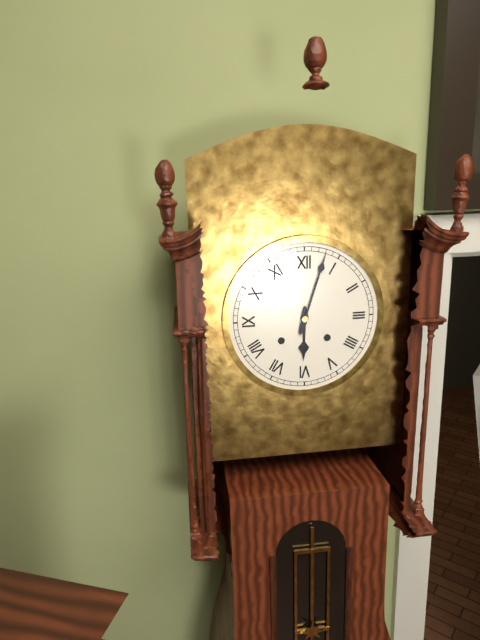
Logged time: 6,03
